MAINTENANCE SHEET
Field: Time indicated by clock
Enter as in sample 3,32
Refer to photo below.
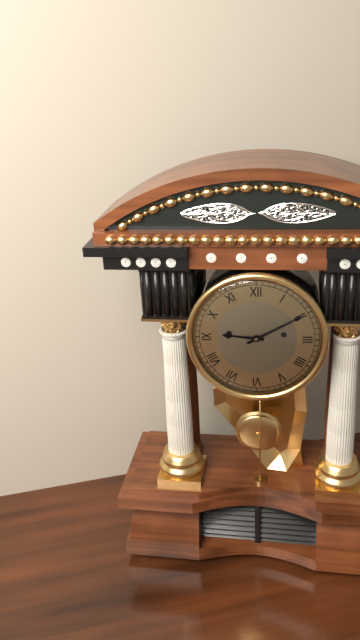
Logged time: 9,10
